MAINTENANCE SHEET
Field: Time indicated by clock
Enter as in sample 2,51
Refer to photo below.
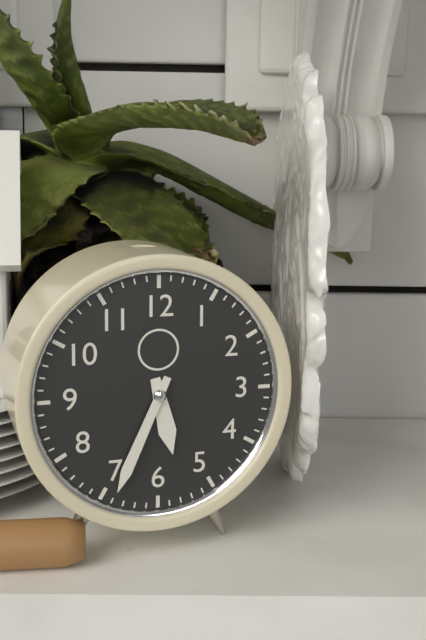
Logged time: 5,34
